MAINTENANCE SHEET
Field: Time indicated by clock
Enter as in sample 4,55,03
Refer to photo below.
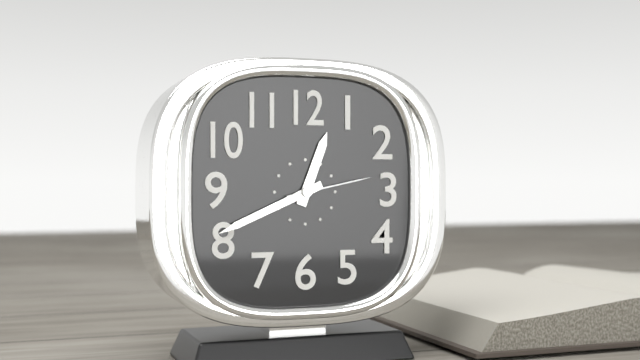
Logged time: 12,41,13
